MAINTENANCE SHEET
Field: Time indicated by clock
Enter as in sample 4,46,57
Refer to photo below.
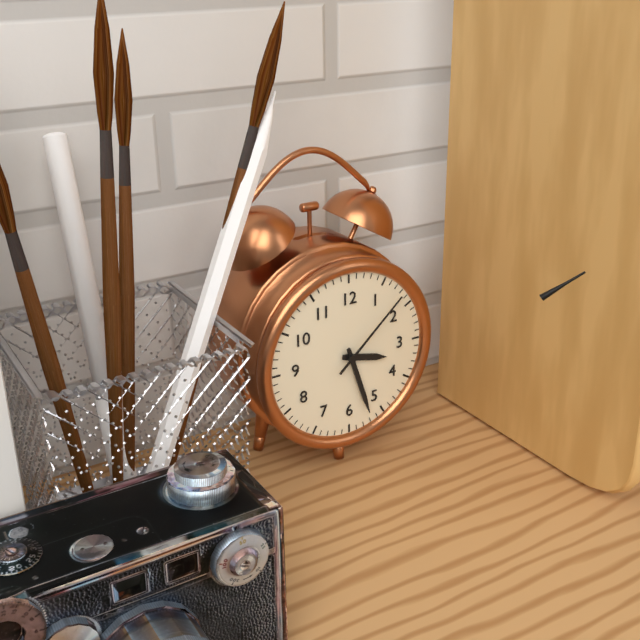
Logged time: 3,27,08
